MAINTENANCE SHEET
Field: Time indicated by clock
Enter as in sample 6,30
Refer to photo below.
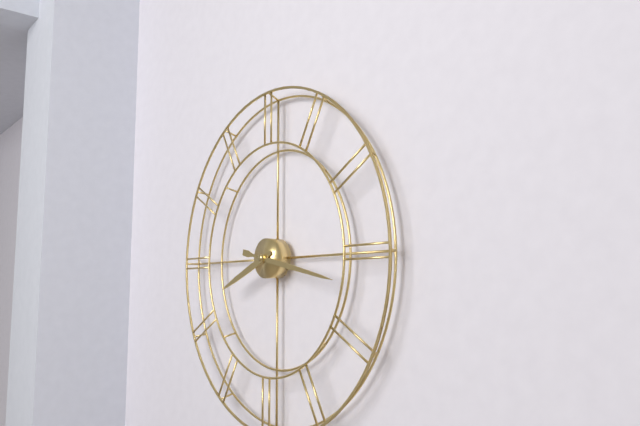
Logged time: 8,17
